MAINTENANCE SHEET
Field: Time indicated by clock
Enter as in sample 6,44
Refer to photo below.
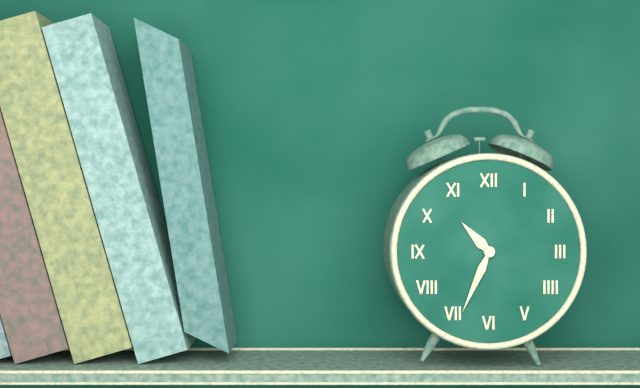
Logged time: 10,34
